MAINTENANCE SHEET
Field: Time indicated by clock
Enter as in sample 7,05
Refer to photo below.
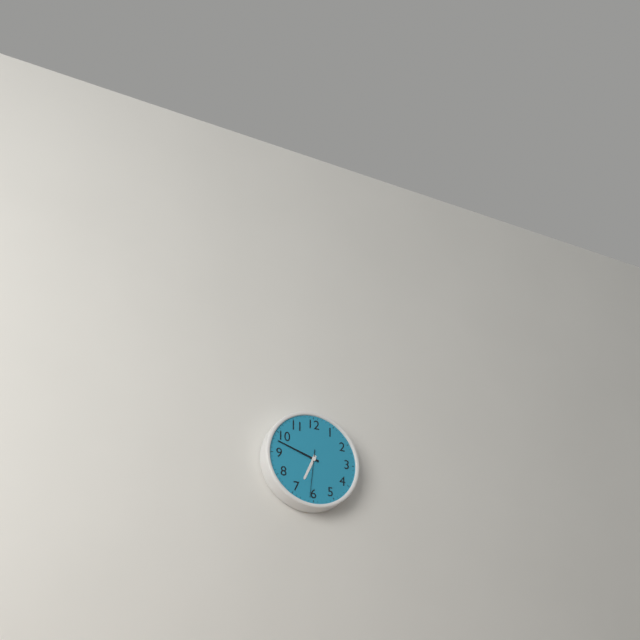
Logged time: 6,48
